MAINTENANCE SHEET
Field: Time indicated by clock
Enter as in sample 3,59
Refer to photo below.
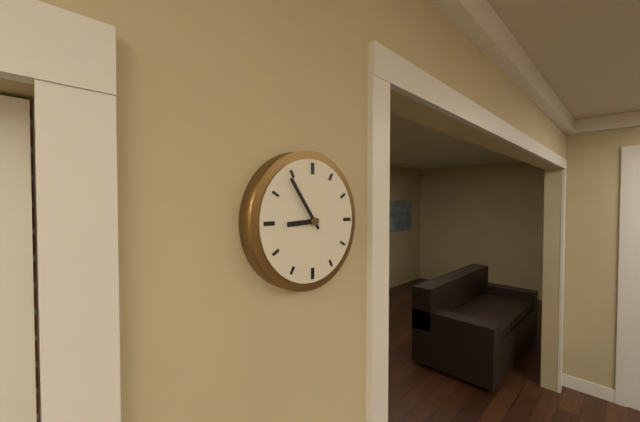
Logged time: 8,54
